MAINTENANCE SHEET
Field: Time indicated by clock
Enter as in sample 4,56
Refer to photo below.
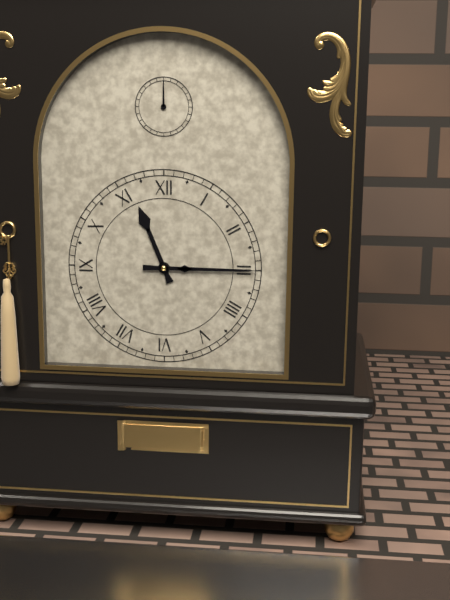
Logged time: 11,15
